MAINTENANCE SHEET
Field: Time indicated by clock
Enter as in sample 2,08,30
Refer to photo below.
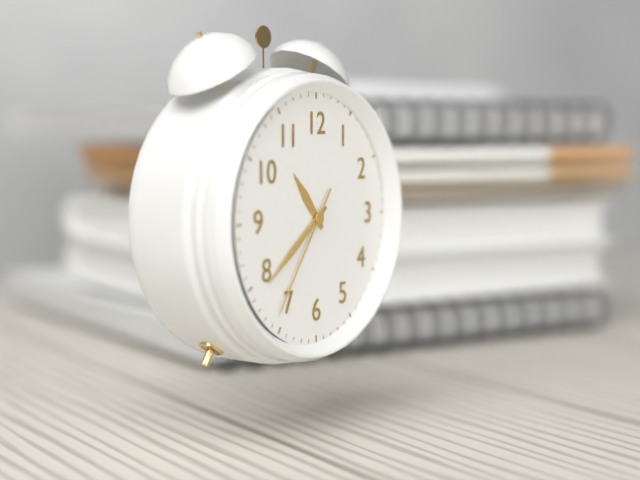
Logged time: 10,39,36
